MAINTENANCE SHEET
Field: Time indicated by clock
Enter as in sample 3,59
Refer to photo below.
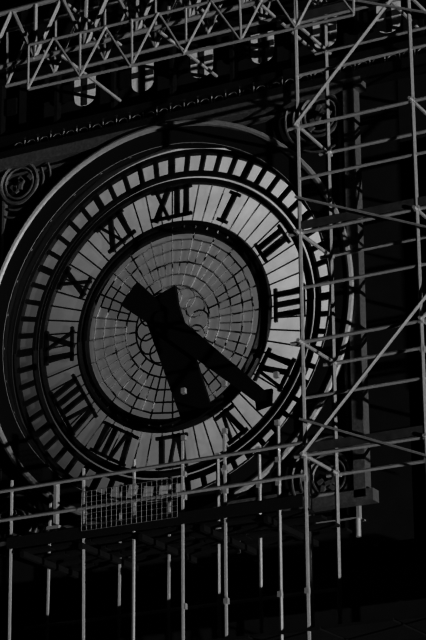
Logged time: 5,22
